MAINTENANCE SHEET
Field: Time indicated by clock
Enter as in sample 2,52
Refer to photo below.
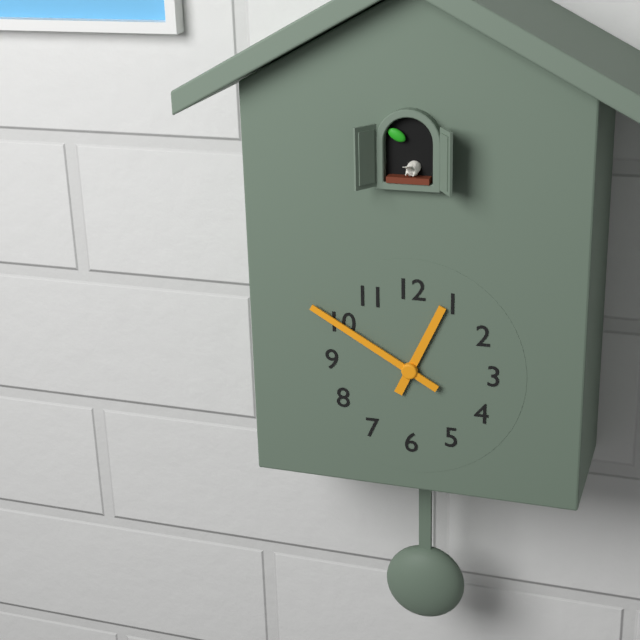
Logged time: 12,50
